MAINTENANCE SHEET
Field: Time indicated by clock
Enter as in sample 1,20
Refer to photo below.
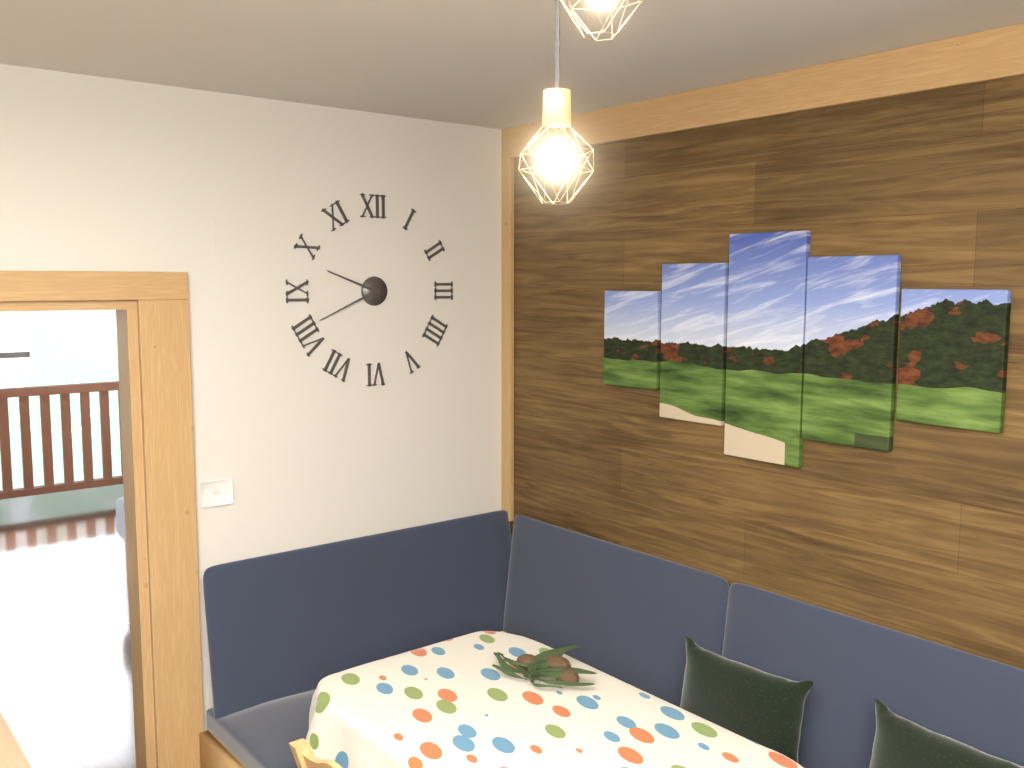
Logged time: 9,41
